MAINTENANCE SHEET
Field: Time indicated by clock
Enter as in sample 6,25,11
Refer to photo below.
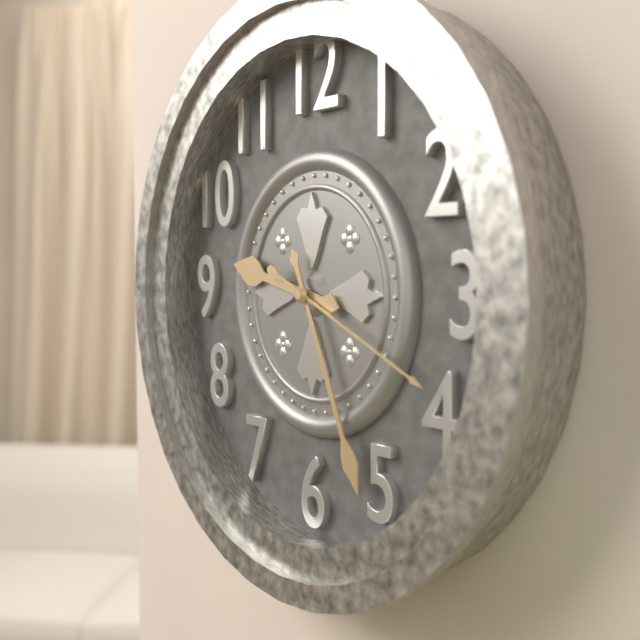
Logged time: 9,26,19
